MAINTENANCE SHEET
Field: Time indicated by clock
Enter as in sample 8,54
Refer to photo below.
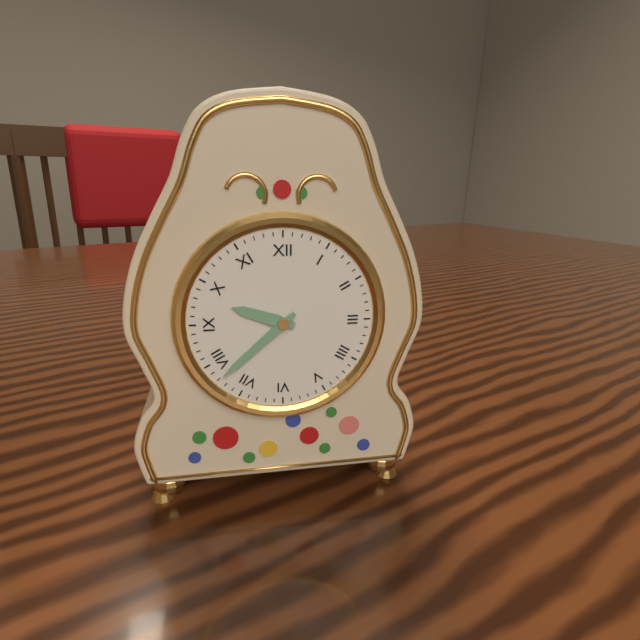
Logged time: 9,38
